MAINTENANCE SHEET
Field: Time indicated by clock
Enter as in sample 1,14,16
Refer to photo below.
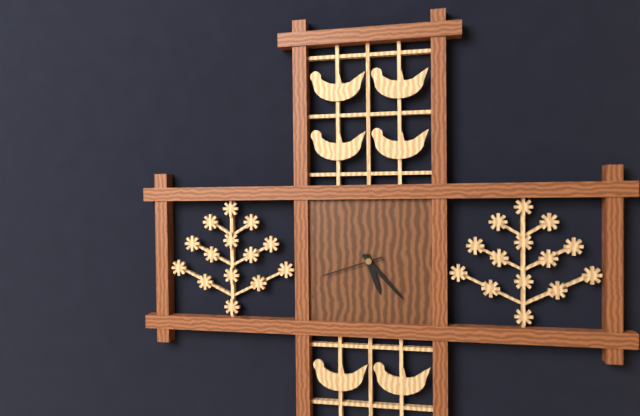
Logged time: 5,23,42
